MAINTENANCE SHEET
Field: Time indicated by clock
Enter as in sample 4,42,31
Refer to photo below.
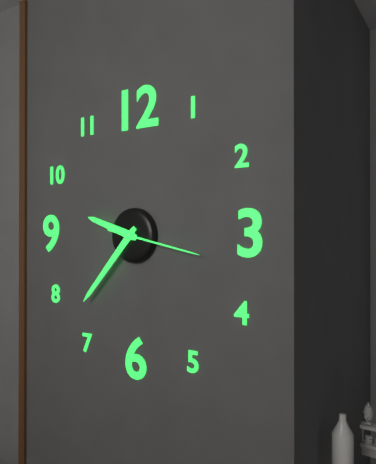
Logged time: 9,37,17
